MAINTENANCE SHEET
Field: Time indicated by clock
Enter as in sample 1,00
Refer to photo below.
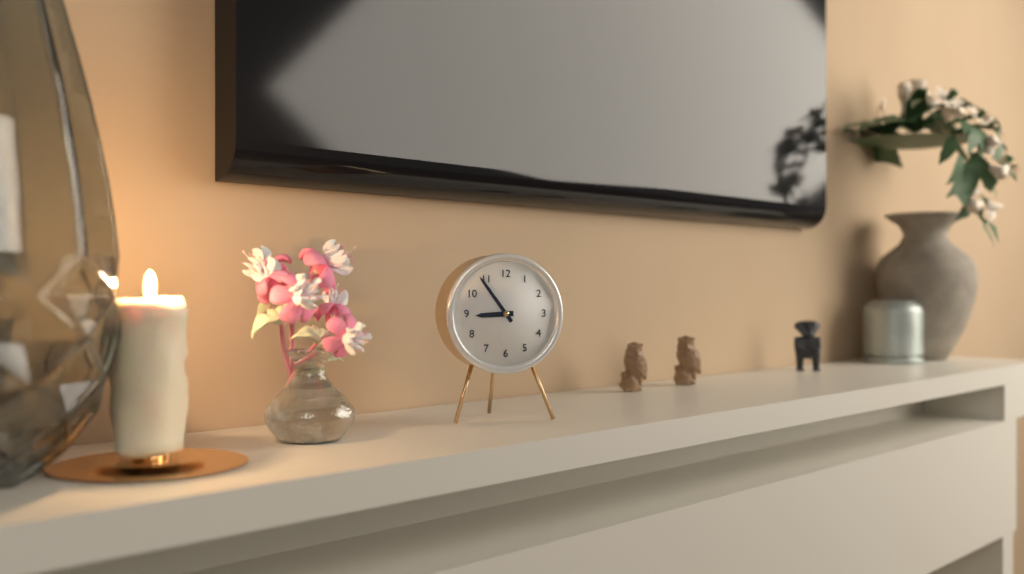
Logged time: 8,54
